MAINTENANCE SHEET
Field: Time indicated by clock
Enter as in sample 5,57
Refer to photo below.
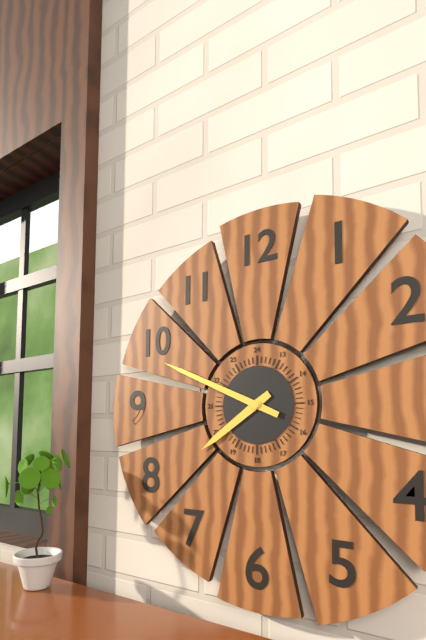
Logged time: 7,49
